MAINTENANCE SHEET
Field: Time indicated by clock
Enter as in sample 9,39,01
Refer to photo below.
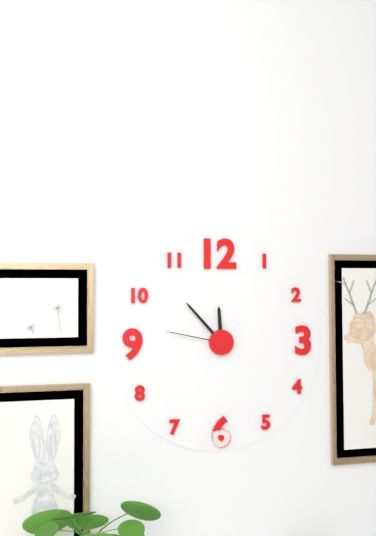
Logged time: 11,53,47
